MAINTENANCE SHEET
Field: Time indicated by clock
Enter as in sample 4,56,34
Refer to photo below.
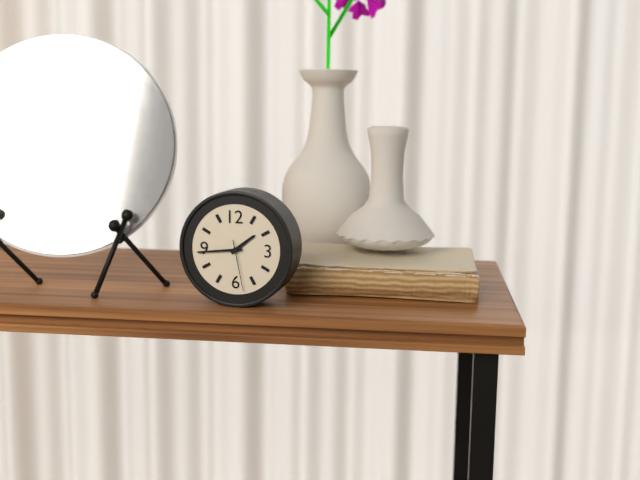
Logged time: 1,44,28
